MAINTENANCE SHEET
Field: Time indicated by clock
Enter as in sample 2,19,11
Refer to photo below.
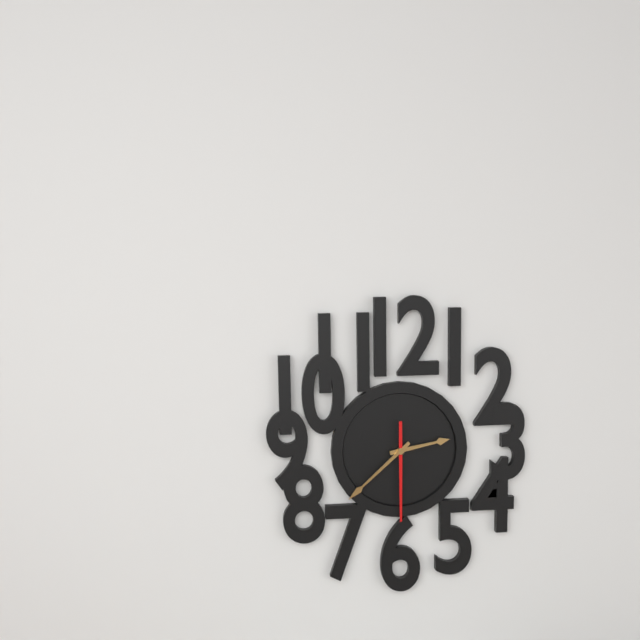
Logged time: 2,38,30
